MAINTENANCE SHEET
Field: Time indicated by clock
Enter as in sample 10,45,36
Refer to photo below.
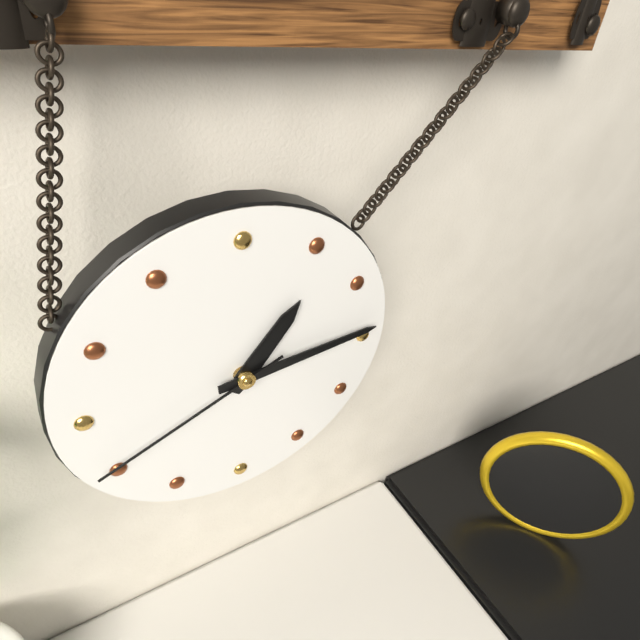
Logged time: 1,14,41
